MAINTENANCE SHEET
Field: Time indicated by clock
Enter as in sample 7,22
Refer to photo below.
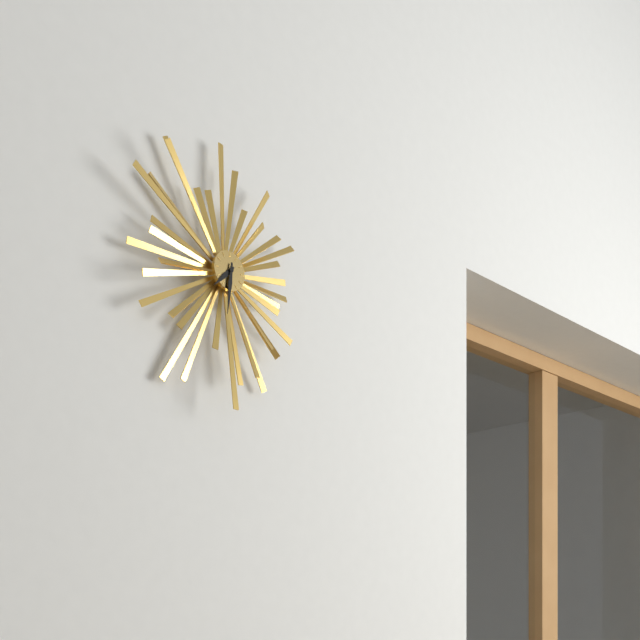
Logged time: 7,31
